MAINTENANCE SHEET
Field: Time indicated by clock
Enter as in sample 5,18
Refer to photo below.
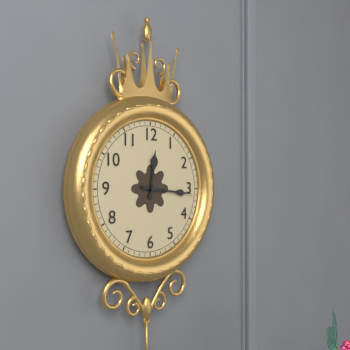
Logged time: 12,16
